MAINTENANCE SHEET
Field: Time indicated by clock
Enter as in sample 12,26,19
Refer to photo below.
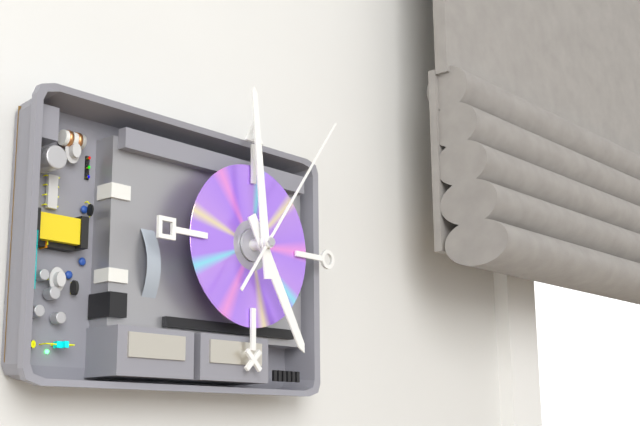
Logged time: 4,59,06
